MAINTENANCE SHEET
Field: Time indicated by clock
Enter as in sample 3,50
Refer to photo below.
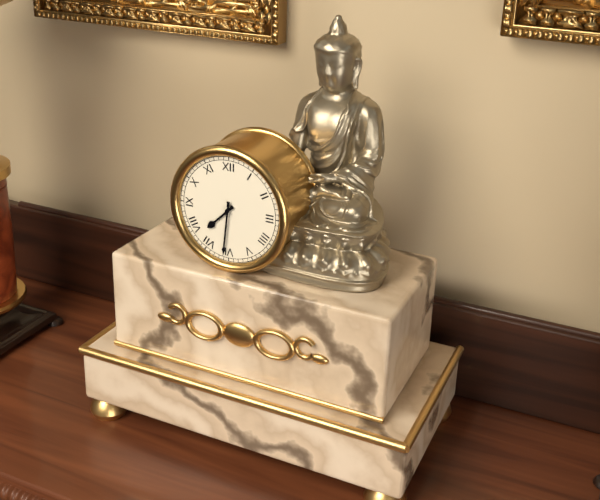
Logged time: 7,31
